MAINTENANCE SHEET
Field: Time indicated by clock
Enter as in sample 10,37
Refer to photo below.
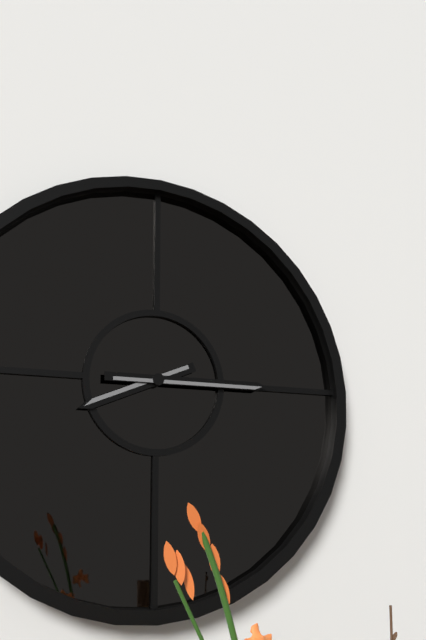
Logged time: 8,15
